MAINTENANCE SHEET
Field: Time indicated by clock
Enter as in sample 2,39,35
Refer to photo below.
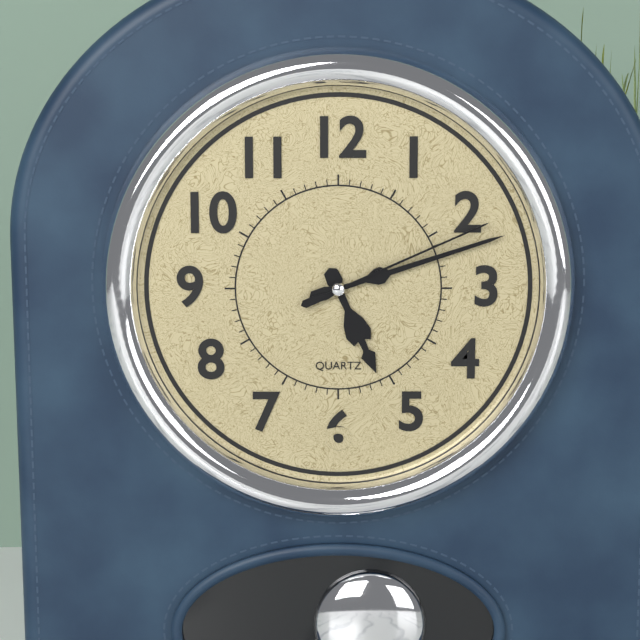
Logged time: 5,12,11
